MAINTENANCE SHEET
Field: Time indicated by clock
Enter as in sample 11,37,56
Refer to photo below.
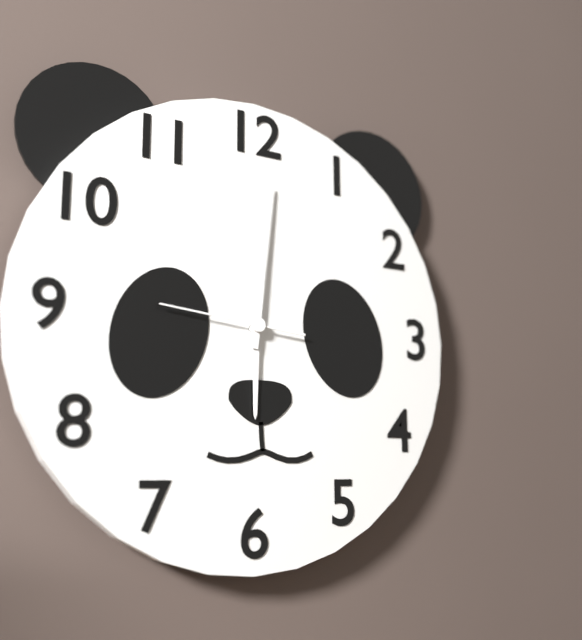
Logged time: 6,01,46
